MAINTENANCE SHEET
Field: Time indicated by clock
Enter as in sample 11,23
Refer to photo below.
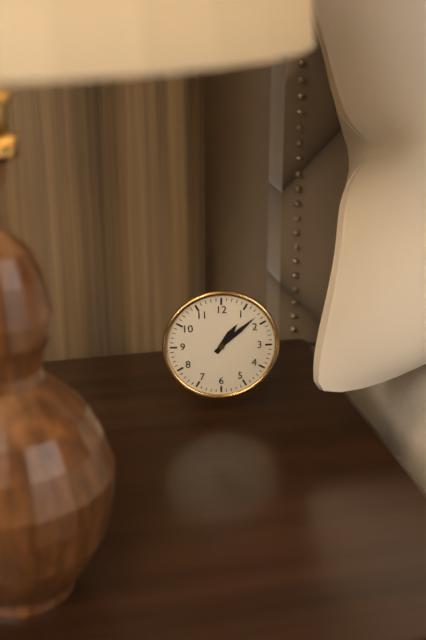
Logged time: 1,08
